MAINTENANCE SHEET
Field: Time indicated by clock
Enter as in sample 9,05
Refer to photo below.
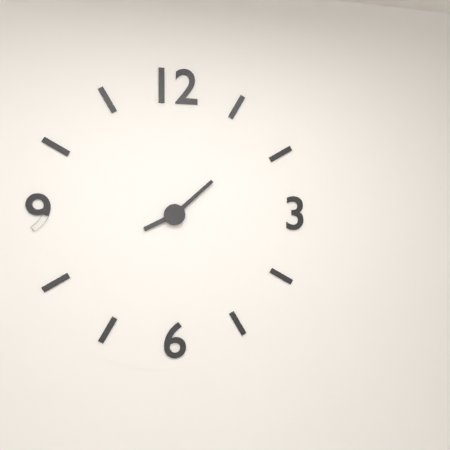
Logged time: 8,08
